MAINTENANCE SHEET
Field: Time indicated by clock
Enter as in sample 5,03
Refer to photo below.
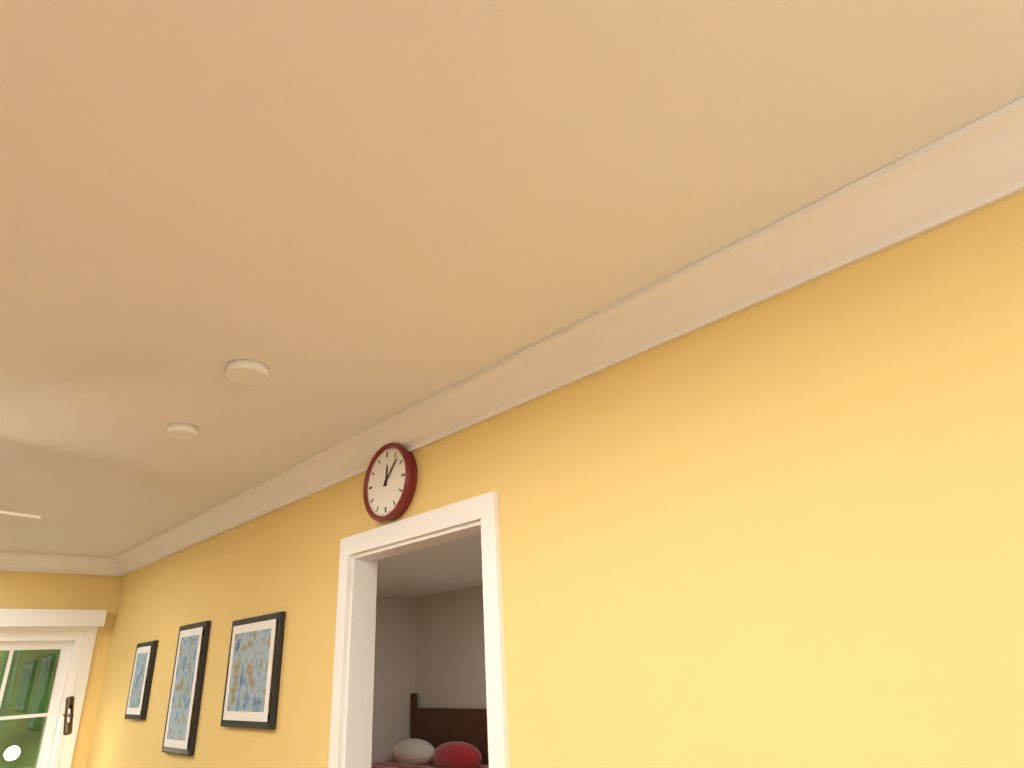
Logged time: 12,07
